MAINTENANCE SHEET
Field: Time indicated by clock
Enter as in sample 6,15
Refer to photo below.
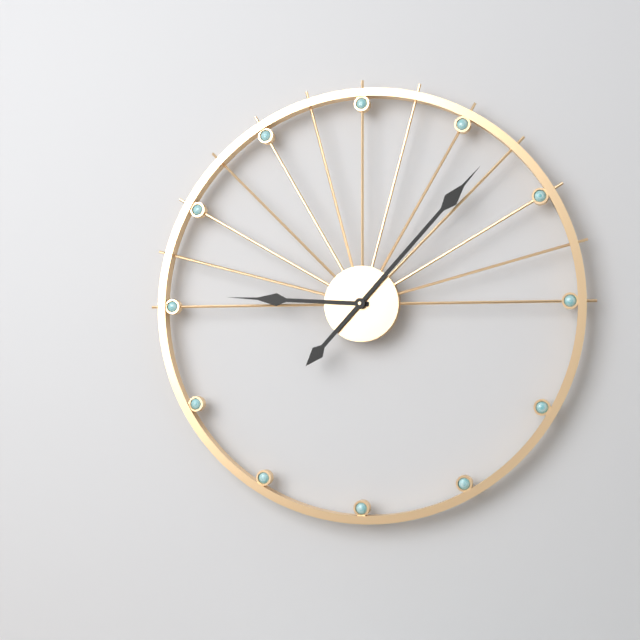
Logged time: 9,07
